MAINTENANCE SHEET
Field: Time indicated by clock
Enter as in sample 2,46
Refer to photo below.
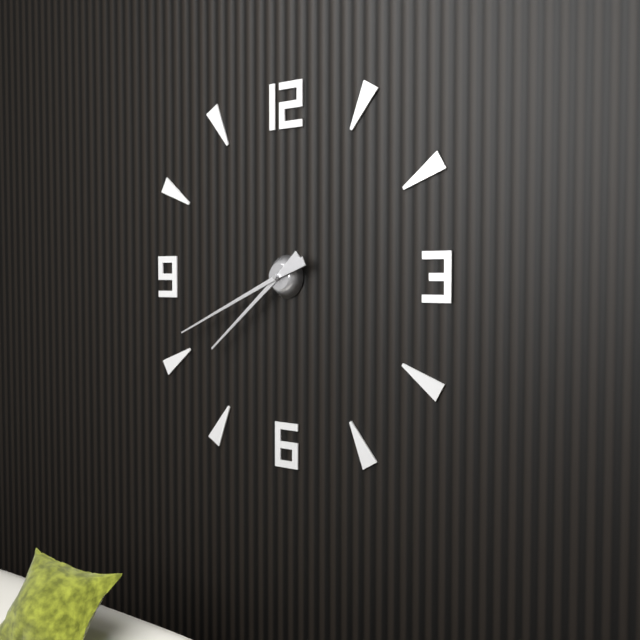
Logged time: 7,41
